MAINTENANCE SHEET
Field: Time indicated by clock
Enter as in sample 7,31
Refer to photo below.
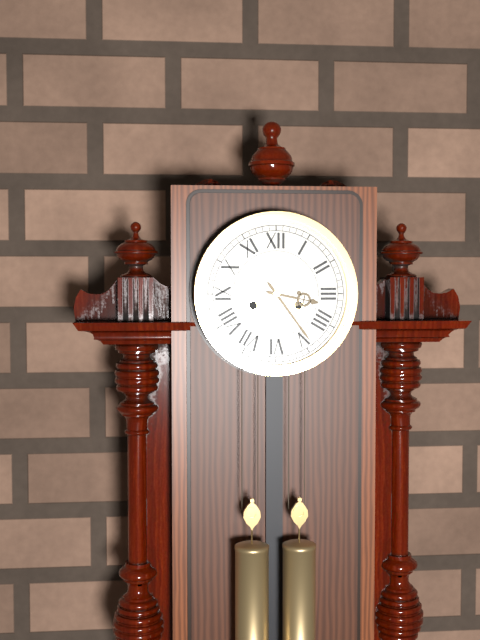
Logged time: 3,24
